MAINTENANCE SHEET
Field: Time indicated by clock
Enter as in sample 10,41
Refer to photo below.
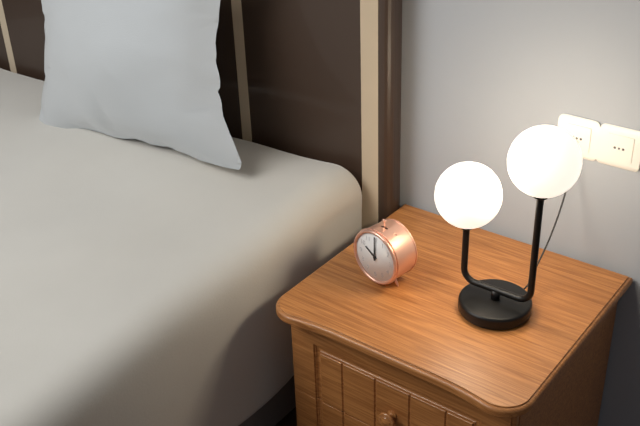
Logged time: 10,00
